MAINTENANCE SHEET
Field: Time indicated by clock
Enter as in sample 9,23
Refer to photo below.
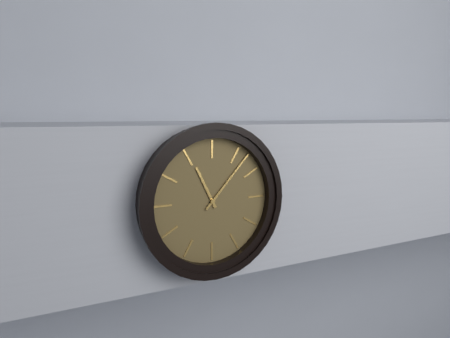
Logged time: 11,07
